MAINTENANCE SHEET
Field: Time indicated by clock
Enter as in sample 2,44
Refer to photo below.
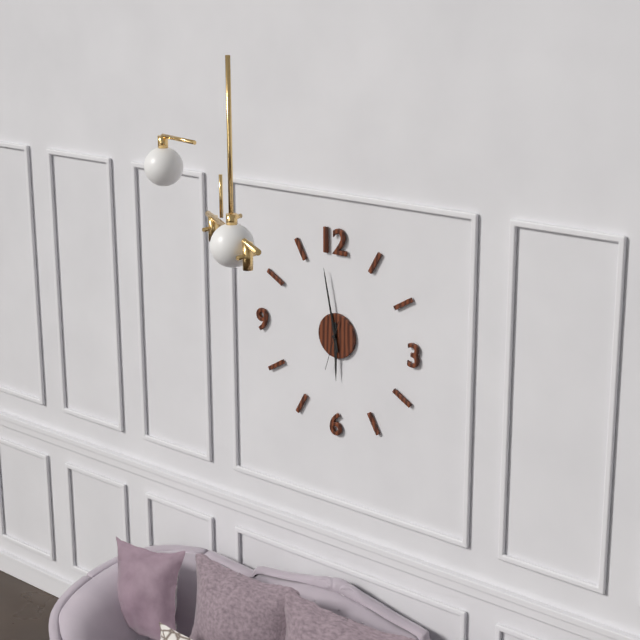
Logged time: 5,58
